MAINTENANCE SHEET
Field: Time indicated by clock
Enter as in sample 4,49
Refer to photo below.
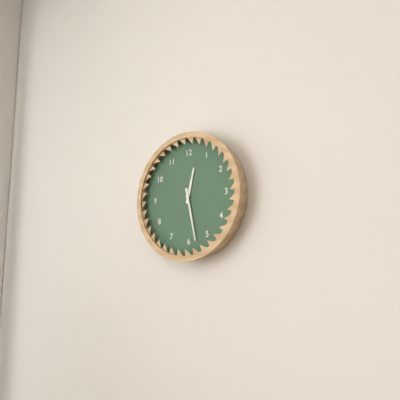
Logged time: 12,28
